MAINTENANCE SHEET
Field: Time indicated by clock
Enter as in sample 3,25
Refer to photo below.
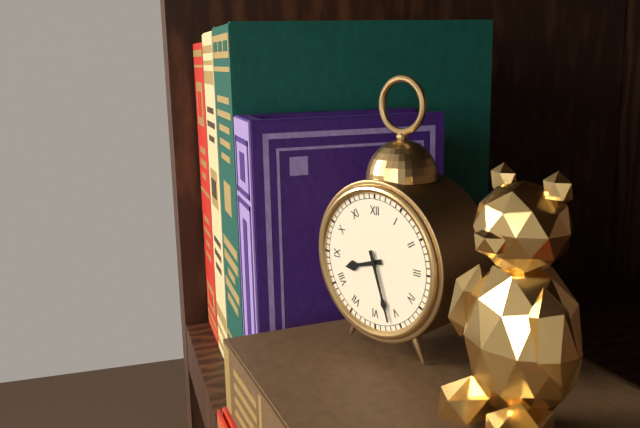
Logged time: 8,27
